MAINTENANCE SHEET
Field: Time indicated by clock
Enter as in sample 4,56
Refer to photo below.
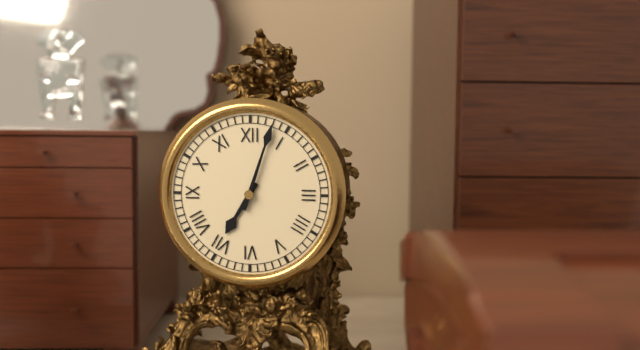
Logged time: 7,03
